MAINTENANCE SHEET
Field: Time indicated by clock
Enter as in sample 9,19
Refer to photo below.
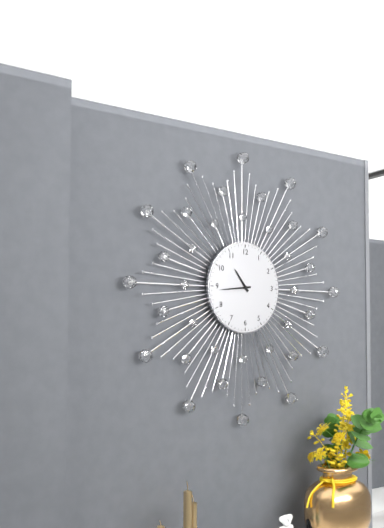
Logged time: 10,44
